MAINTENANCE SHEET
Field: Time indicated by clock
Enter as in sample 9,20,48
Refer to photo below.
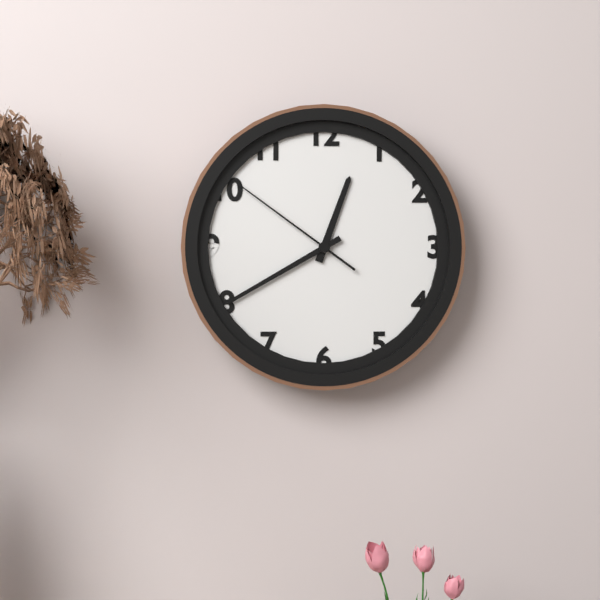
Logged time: 12,40,51
